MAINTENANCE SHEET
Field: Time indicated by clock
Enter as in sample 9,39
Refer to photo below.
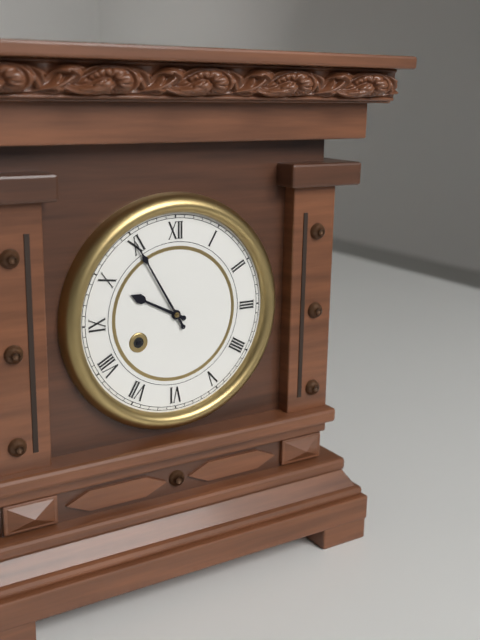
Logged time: 9,55
